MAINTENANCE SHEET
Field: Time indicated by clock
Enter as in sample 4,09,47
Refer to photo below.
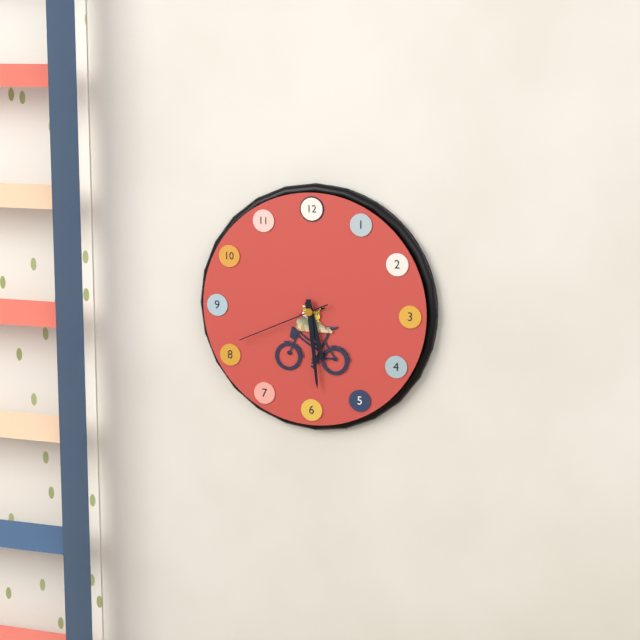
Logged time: 5,29,41
